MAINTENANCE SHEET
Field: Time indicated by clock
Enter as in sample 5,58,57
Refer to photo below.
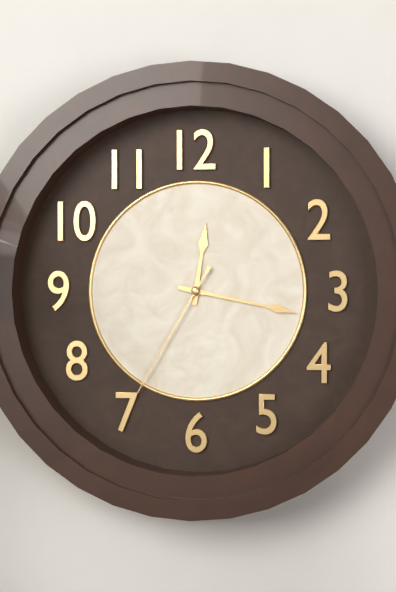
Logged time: 12,17,35
